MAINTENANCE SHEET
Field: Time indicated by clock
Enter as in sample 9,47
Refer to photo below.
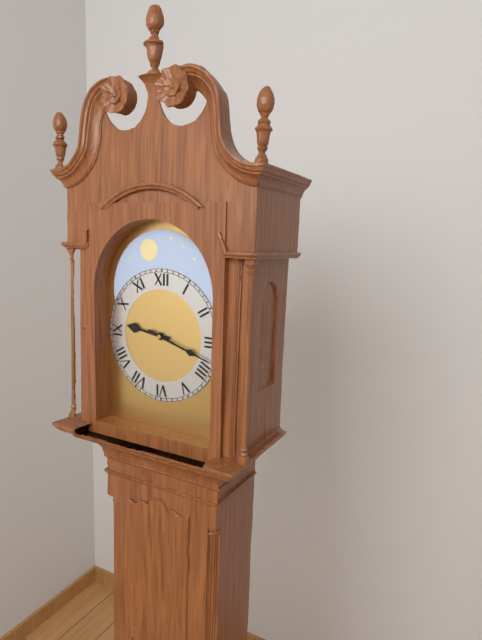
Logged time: 9,18
